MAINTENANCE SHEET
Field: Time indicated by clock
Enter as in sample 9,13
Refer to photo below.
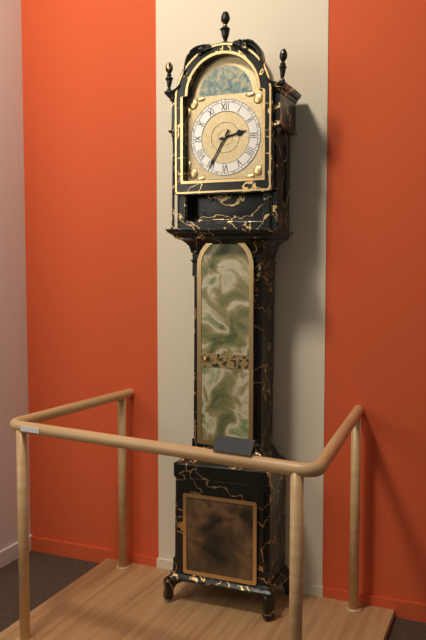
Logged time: 2,35
